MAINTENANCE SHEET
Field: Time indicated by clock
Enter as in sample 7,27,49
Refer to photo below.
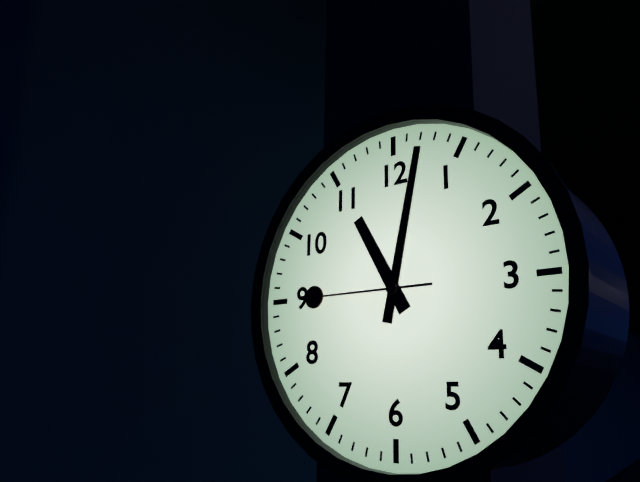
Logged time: 11,02,45
